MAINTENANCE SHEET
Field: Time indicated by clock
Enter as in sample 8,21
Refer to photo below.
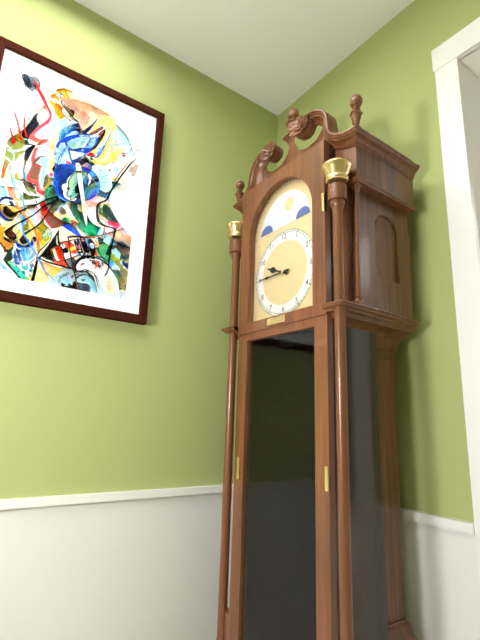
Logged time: 9,45
